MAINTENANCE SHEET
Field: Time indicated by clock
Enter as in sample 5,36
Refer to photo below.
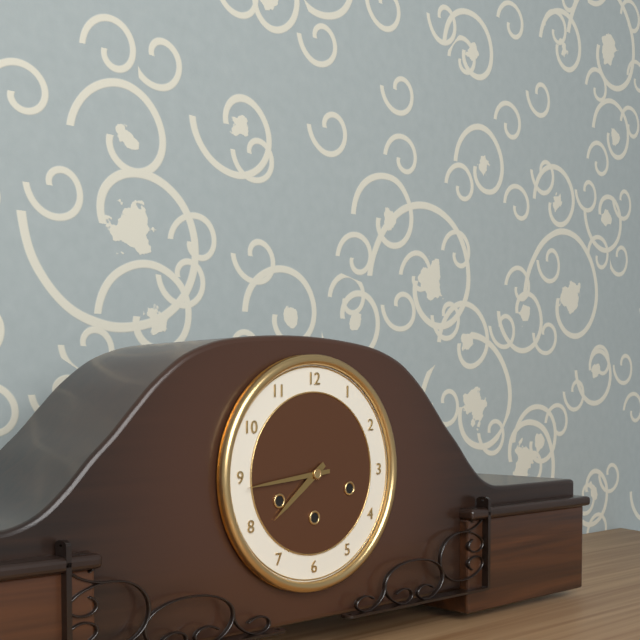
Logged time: 7,44
